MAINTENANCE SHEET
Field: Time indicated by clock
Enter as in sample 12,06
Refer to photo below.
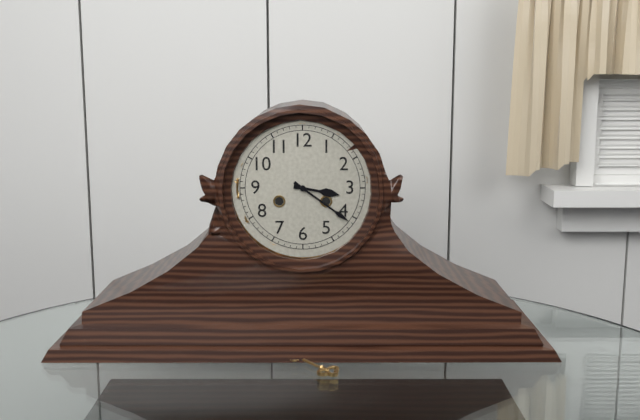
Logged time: 3,21
